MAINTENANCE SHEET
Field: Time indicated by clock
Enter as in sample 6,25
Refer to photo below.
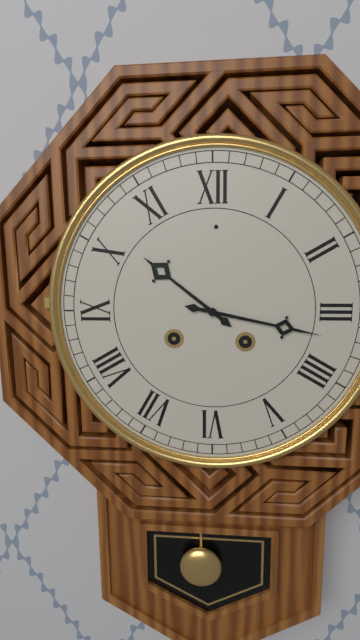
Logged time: 10,17
